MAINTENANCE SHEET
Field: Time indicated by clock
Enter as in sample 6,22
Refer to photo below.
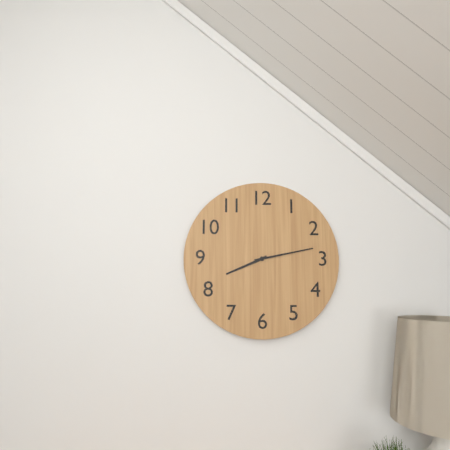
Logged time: 8,13
